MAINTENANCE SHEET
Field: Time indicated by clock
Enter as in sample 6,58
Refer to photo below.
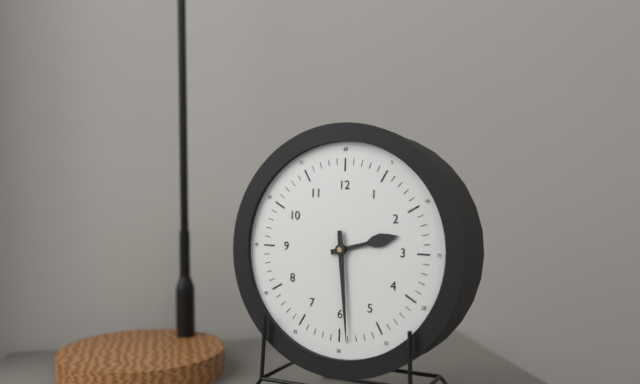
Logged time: 2,29
